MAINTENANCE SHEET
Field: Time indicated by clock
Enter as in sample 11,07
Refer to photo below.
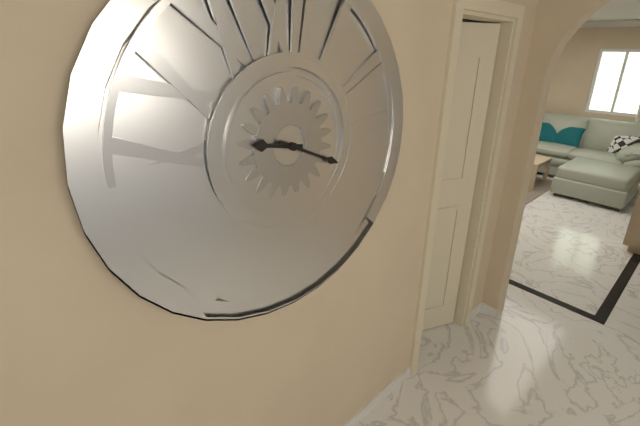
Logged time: 9,19
